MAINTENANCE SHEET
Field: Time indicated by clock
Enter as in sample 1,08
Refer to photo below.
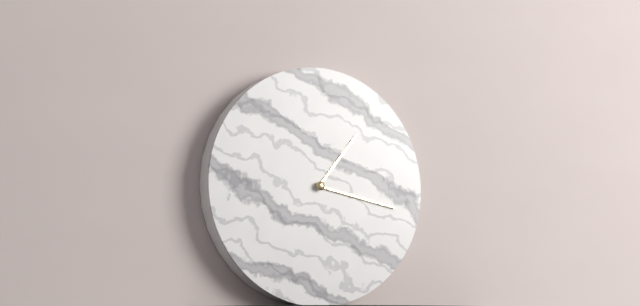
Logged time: 1,17
